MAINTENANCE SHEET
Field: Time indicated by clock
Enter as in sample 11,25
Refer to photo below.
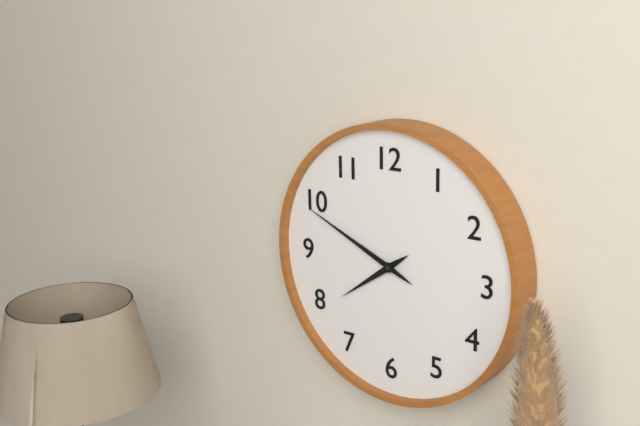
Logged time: 7,49
